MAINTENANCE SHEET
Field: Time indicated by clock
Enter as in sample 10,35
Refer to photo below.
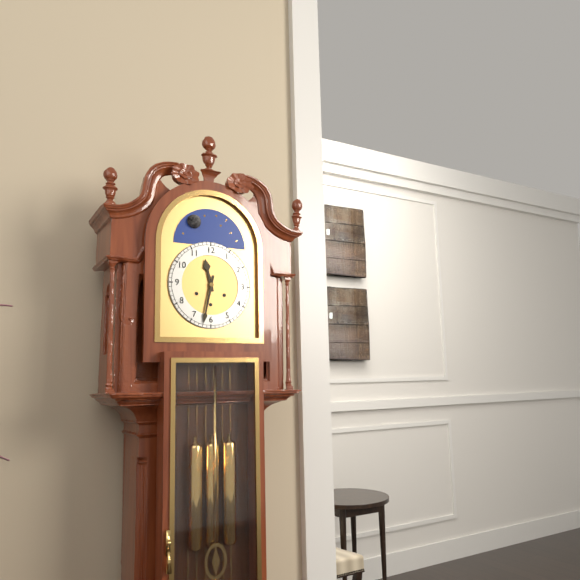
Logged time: 11,32
